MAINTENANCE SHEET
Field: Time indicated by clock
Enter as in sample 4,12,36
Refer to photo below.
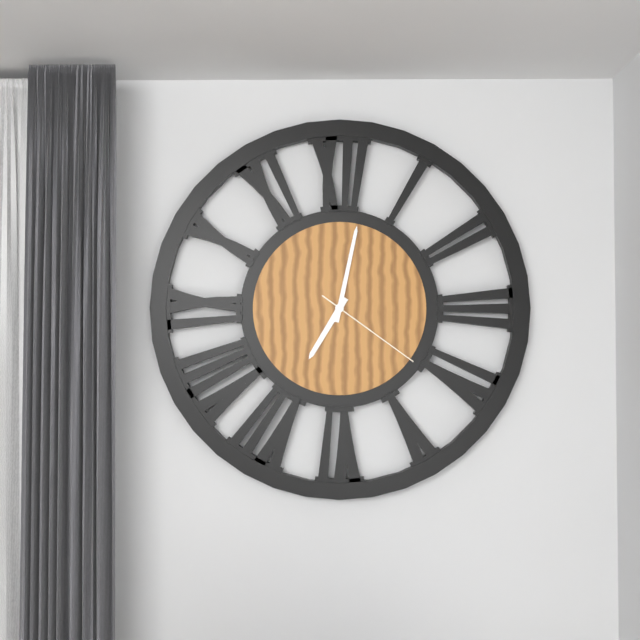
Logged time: 7,02,21
